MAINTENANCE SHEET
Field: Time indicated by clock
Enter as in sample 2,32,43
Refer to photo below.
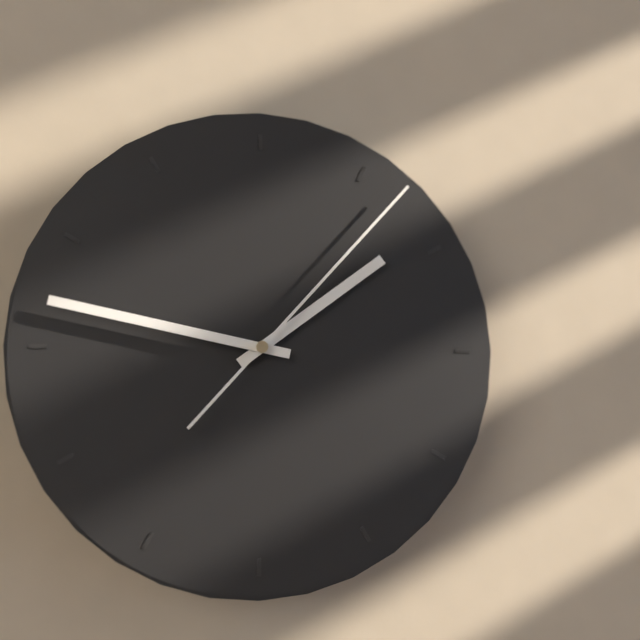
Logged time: 1,47,07
